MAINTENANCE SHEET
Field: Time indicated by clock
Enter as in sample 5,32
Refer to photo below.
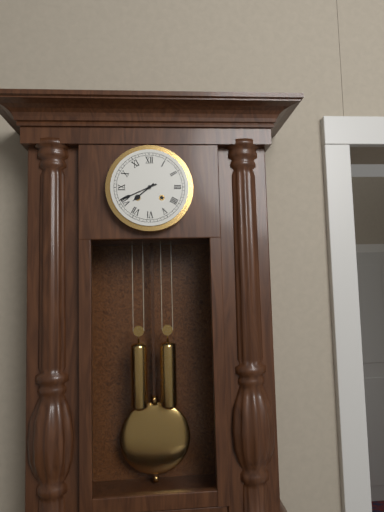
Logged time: 7,41
